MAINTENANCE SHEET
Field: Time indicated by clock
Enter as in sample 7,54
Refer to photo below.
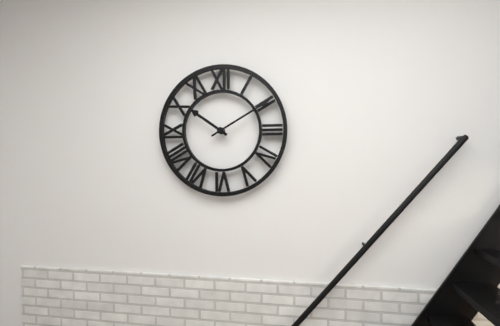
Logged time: 10,10
